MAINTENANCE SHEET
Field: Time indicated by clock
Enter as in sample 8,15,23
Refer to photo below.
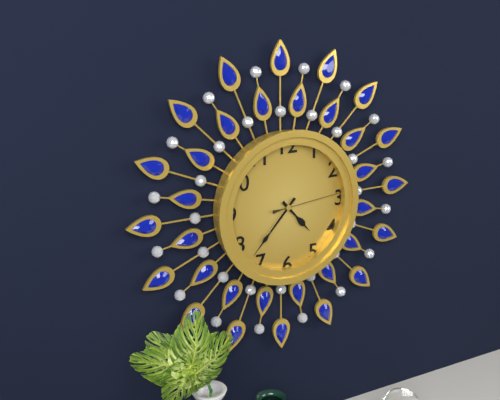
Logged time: 4,37,14
